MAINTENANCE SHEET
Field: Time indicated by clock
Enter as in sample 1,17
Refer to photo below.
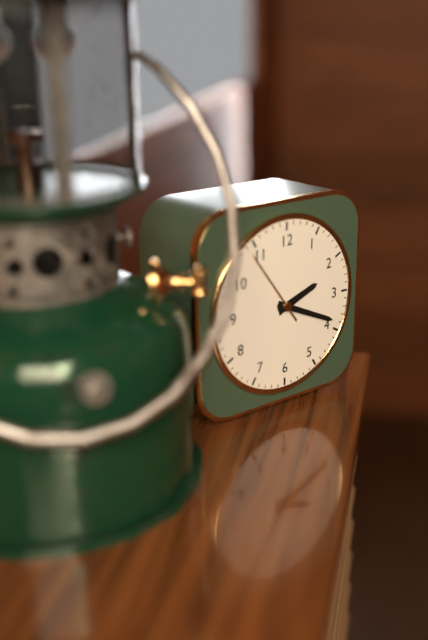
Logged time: 2,19
